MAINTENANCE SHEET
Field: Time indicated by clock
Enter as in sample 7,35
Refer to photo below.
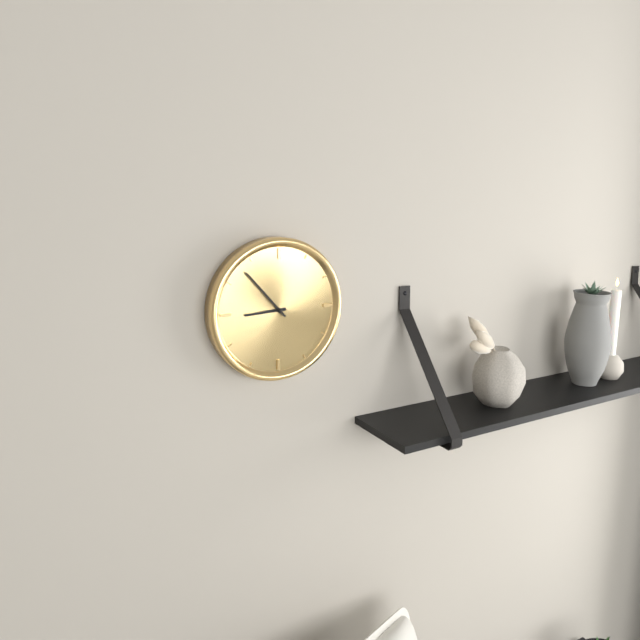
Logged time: 8,53
